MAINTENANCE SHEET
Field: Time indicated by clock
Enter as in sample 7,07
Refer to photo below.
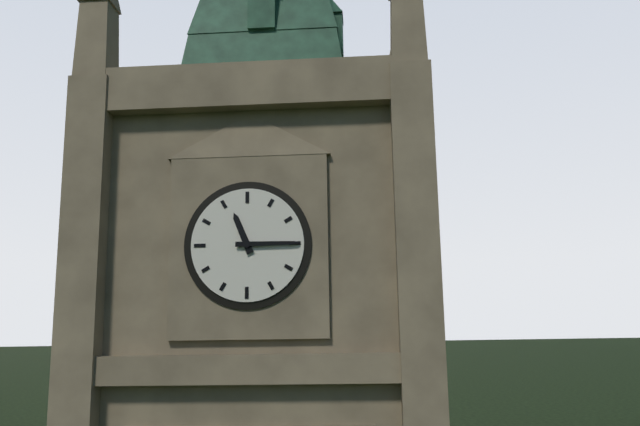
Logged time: 11,15
